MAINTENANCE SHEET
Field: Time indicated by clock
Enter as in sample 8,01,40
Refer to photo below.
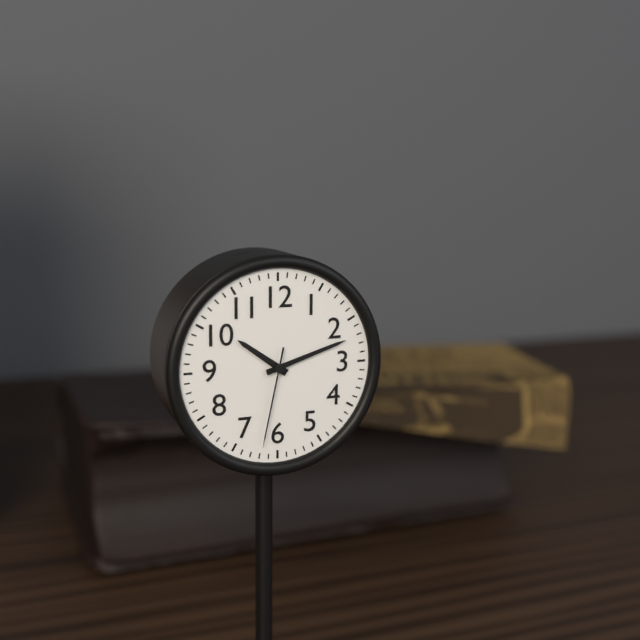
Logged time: 10,12,32
